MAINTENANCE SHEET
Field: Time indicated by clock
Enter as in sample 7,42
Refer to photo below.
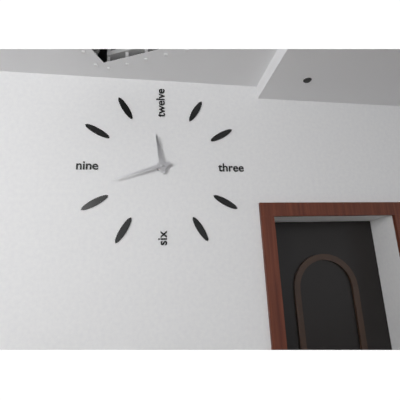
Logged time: 11,42
